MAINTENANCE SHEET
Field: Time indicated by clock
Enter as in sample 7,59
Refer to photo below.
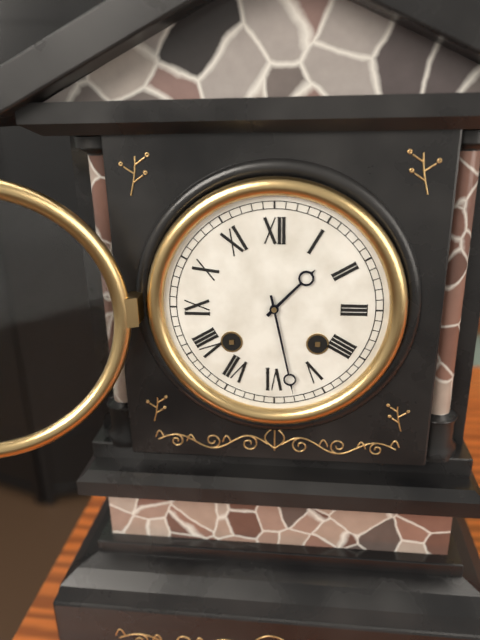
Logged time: 1,28
